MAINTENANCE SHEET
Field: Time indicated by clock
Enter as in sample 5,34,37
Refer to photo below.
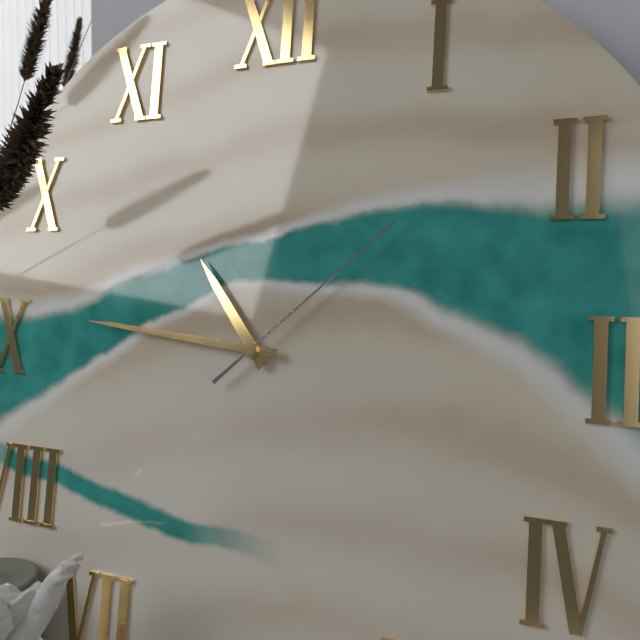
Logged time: 10,46,08
